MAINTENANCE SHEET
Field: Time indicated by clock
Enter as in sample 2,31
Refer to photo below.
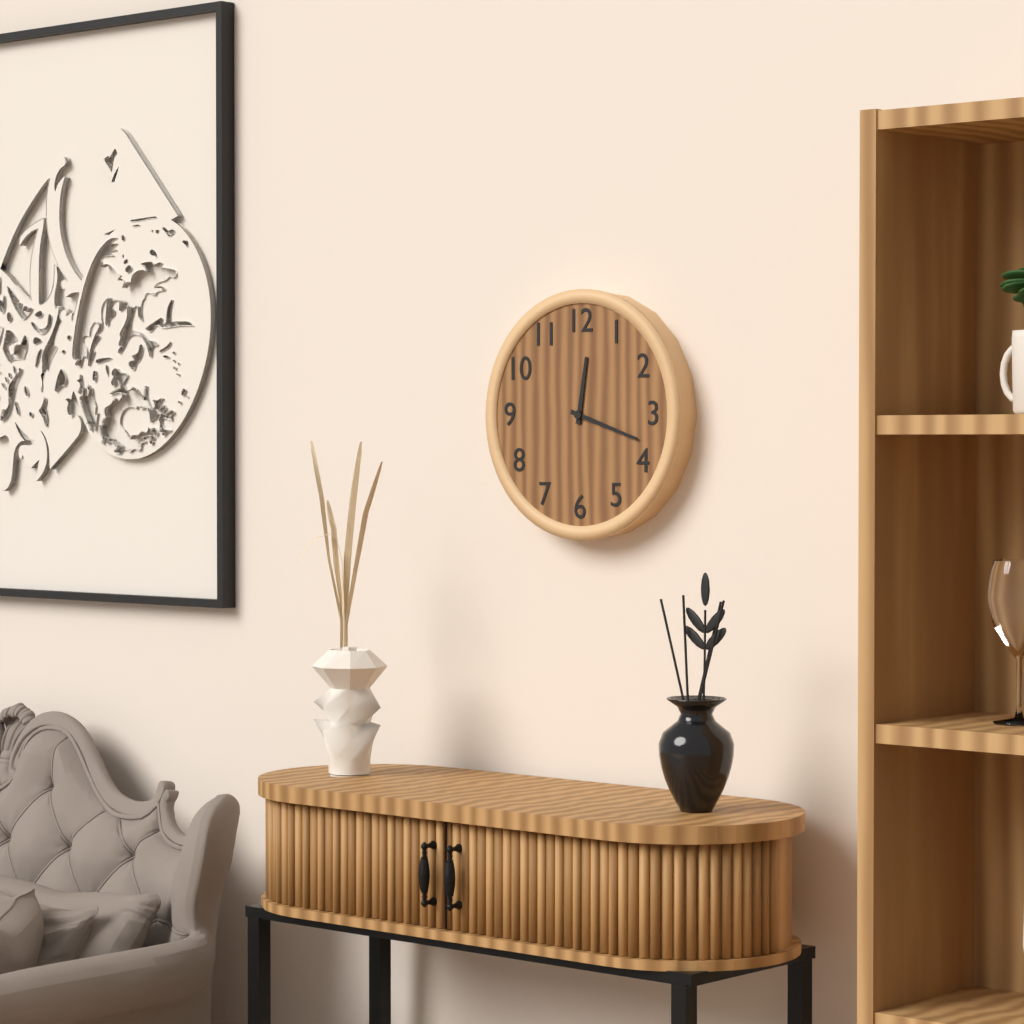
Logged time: 12,18
